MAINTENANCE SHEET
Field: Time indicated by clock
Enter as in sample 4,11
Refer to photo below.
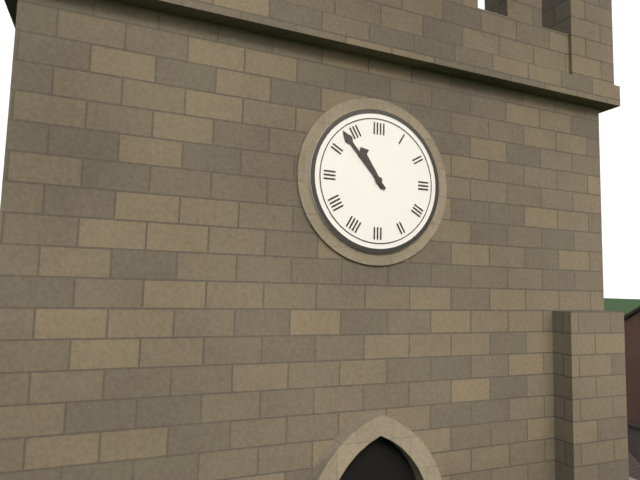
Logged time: 10,53
